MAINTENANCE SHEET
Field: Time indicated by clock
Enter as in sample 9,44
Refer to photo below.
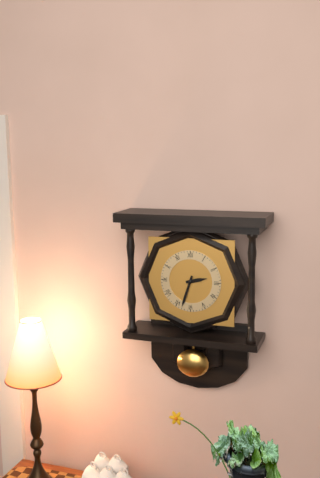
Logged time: 2,33
